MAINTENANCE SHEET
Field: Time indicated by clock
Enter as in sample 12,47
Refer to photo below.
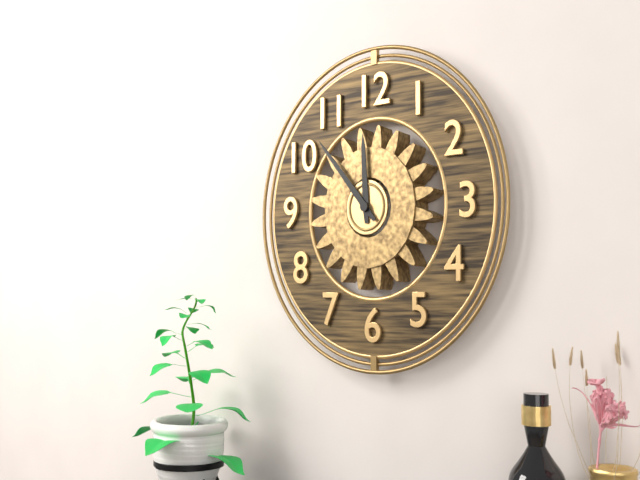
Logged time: 11,53
